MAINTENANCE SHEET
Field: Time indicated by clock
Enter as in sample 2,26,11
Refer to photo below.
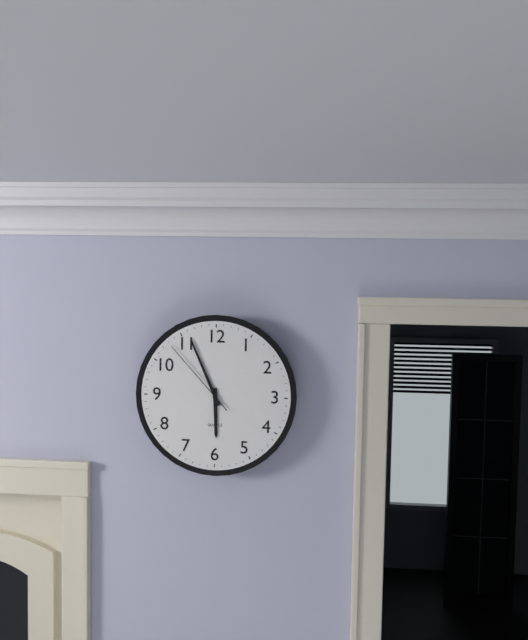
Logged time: 5,56,53
